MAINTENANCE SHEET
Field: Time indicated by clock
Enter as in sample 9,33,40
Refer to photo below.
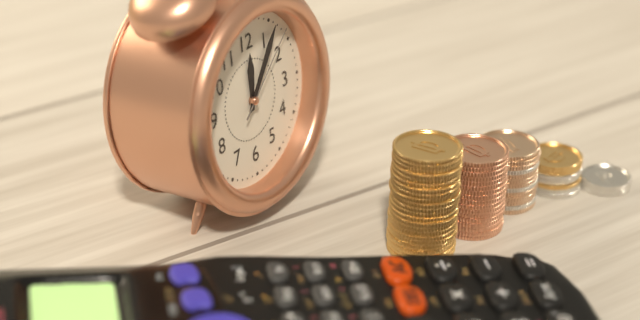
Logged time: 12,06,08
